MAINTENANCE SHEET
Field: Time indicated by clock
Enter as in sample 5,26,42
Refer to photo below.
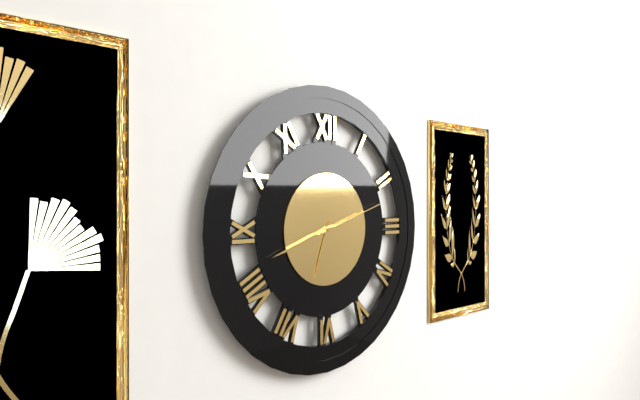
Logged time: 6,42,12
